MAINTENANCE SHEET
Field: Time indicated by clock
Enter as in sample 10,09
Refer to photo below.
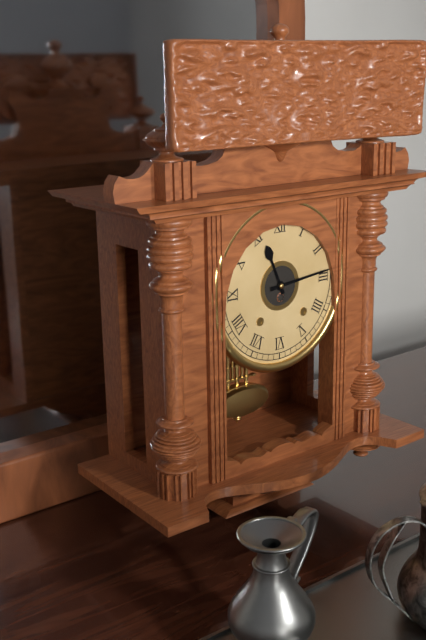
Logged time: 11,14
